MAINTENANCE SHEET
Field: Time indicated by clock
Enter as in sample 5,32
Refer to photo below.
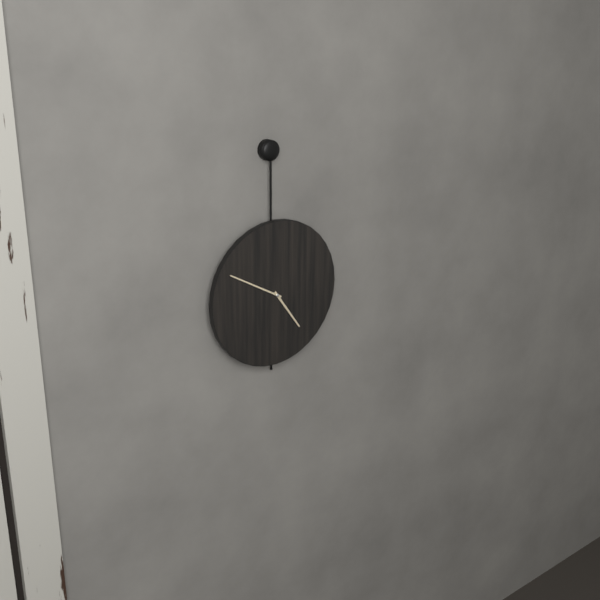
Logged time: 4,50
